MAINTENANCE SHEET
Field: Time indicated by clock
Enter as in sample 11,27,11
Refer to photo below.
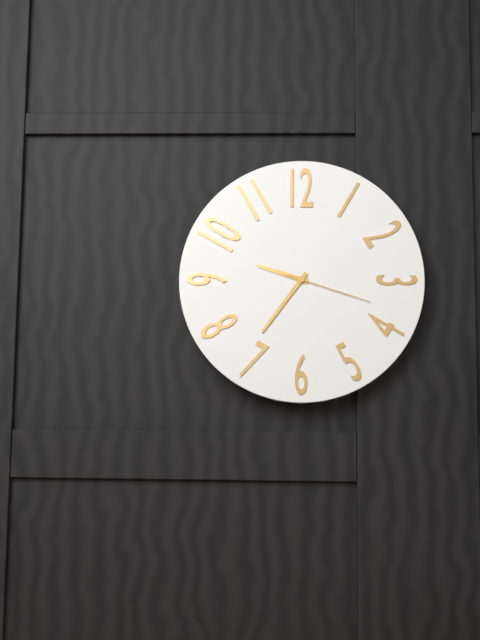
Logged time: 9,36,18
